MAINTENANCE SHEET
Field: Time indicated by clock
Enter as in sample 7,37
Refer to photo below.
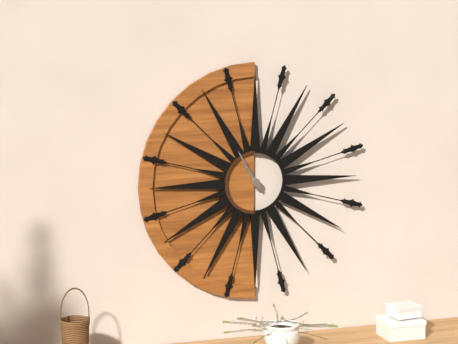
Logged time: 10,55
